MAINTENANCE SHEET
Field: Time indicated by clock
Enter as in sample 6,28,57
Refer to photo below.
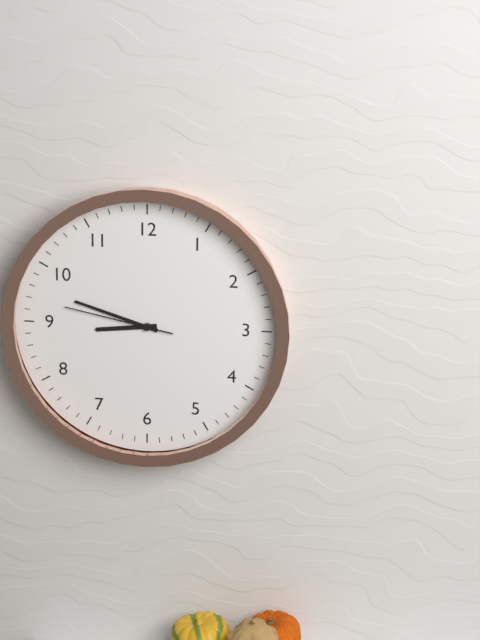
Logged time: 8,48,47
